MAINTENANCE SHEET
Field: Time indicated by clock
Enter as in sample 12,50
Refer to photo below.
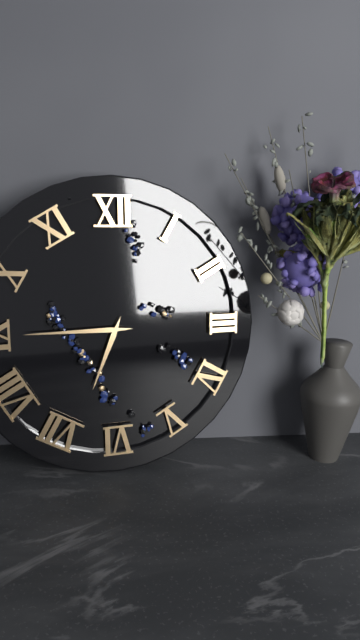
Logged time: 6,45
